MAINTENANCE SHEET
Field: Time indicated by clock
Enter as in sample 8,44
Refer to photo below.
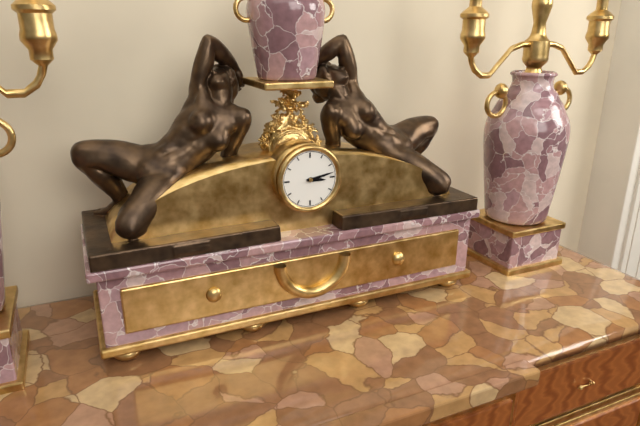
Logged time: 3,13
